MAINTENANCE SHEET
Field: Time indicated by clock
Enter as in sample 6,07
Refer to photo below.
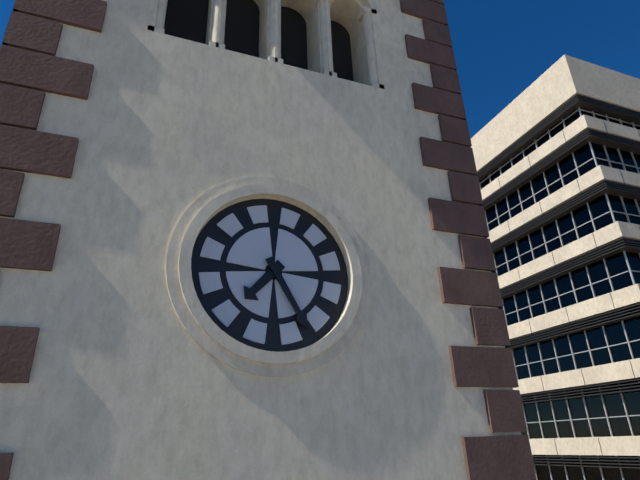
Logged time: 7,25
